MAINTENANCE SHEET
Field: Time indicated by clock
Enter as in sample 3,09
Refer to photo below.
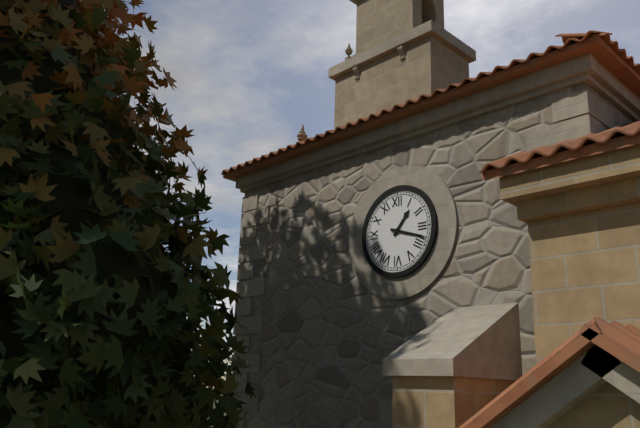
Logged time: 1,18
